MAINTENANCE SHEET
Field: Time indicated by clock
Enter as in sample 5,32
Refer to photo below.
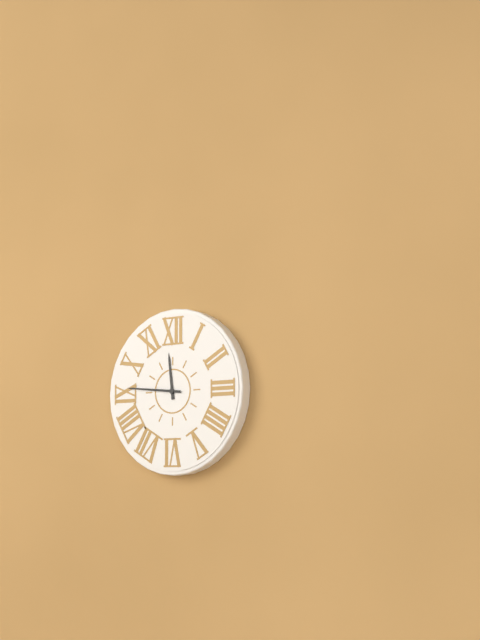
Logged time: 11,46
